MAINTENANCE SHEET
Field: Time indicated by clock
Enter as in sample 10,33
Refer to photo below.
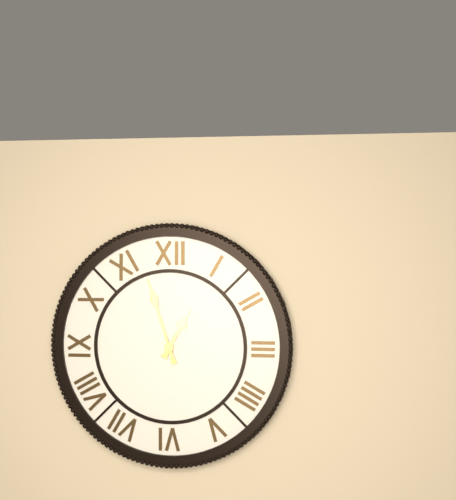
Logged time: 12,57
